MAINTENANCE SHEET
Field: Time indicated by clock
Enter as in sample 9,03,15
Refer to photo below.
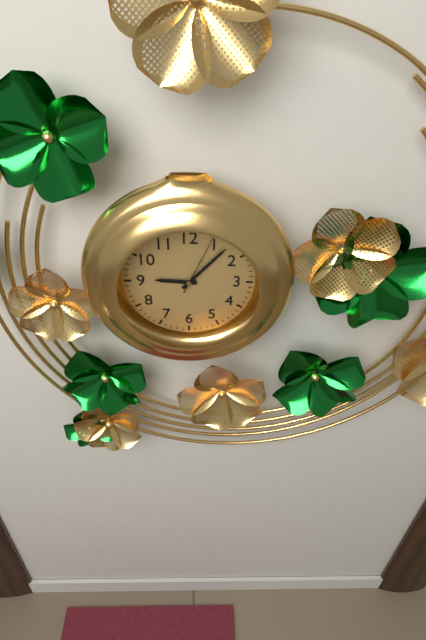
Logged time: 9,07,04
